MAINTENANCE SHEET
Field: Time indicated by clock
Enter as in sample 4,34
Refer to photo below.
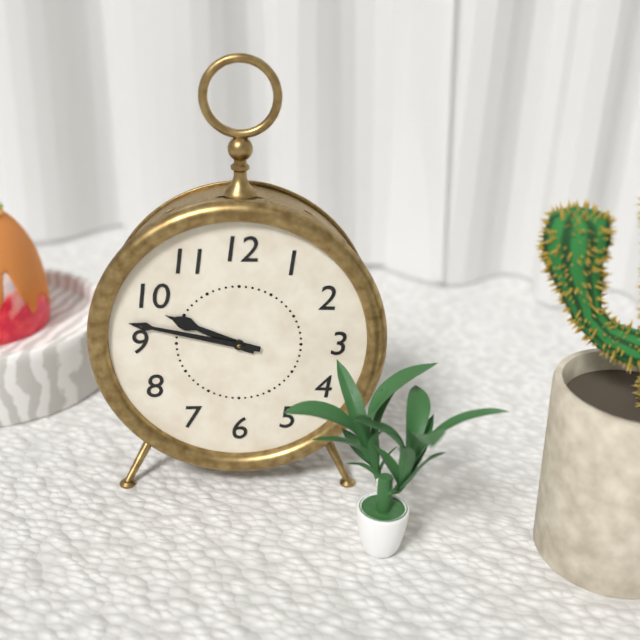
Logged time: 9,47
